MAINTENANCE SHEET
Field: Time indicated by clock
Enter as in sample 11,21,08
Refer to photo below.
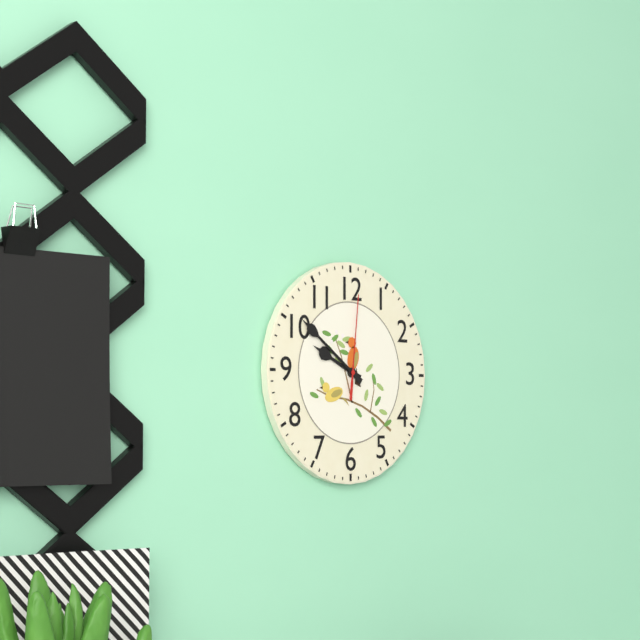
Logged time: 9,51,01
